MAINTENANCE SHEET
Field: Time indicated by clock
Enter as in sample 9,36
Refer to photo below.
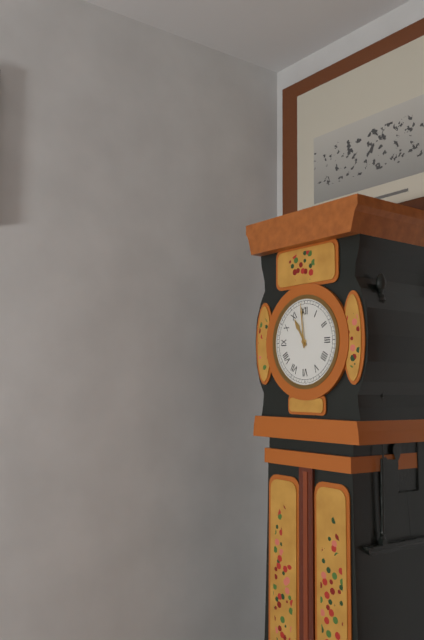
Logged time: 10,59
